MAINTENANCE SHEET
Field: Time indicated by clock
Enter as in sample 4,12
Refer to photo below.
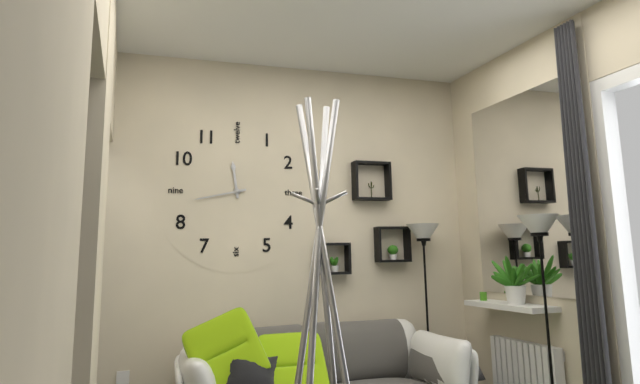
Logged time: 11,43
